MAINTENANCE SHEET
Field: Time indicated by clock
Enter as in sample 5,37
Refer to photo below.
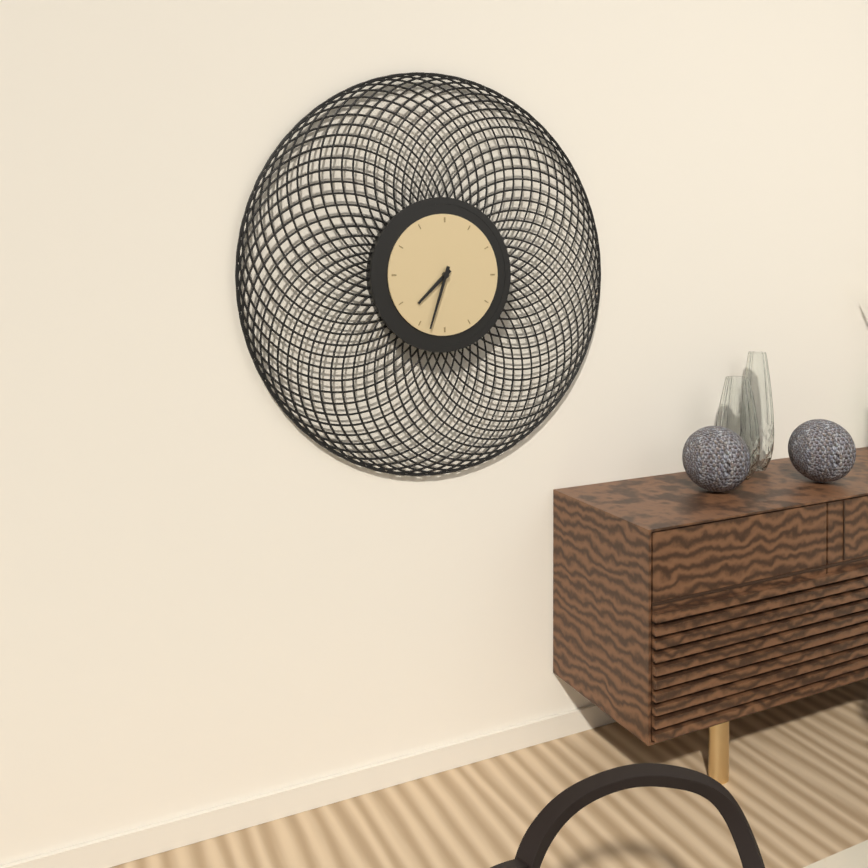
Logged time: 7,33
